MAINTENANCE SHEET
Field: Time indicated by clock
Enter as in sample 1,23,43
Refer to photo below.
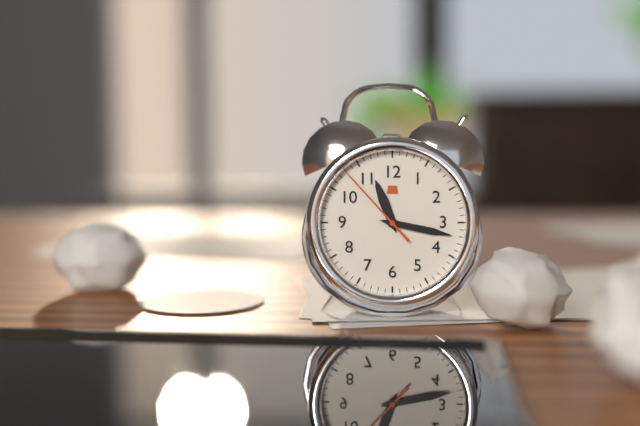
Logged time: 11,17,53
